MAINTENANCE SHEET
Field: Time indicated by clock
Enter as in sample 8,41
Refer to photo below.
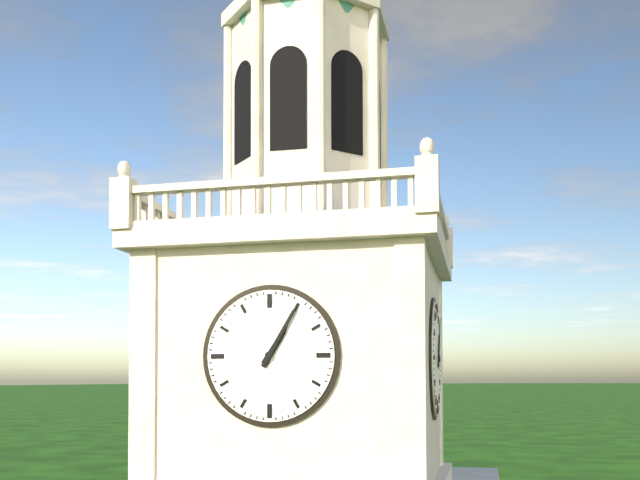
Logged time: 1,05
